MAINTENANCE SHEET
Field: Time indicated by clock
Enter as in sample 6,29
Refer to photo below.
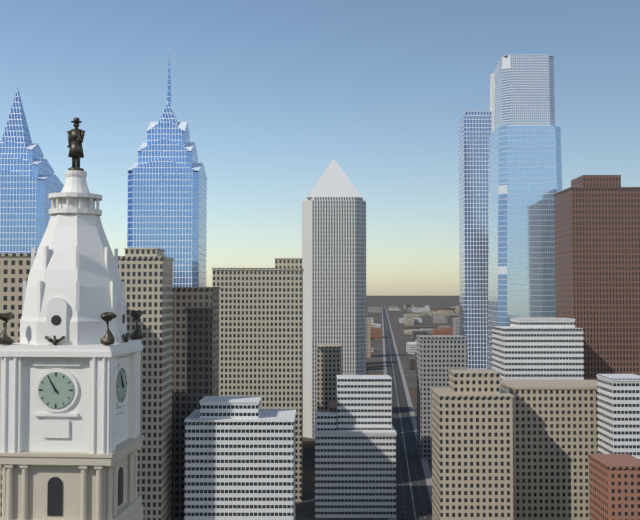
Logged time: 10,55
